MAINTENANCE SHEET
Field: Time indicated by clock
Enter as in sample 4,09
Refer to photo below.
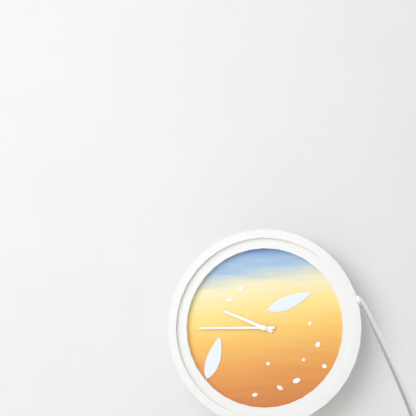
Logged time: 9,45
